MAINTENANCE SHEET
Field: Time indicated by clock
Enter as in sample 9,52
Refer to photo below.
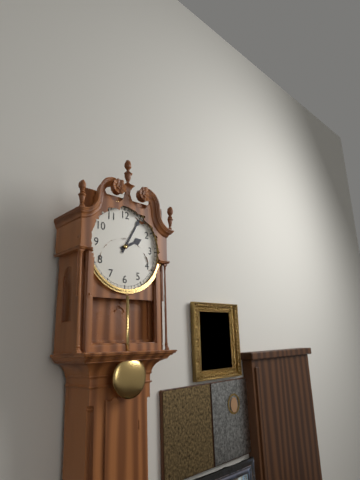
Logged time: 2,05
